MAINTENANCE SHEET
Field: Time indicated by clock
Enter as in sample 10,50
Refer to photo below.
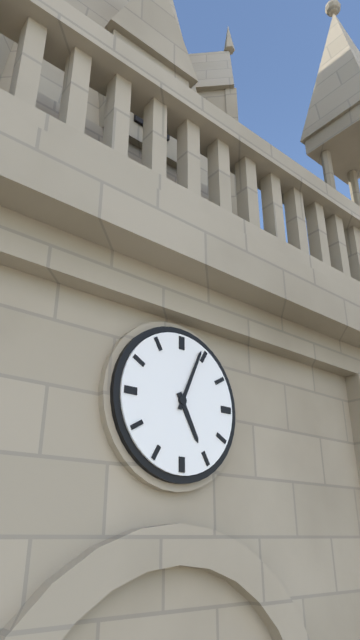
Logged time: 5,04
